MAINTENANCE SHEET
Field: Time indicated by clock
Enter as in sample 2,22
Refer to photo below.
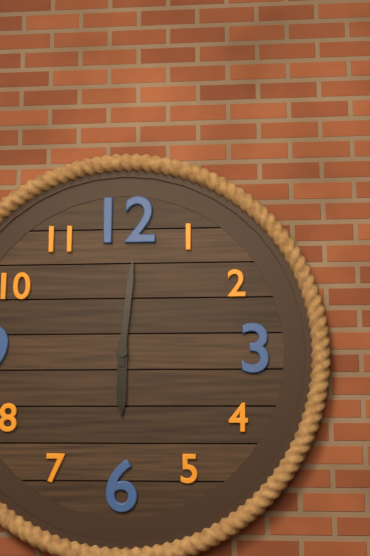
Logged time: 6,01
